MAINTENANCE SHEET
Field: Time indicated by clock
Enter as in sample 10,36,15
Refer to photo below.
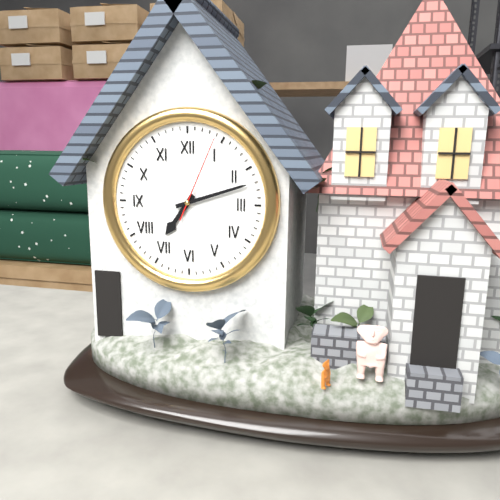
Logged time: 7,12,04
